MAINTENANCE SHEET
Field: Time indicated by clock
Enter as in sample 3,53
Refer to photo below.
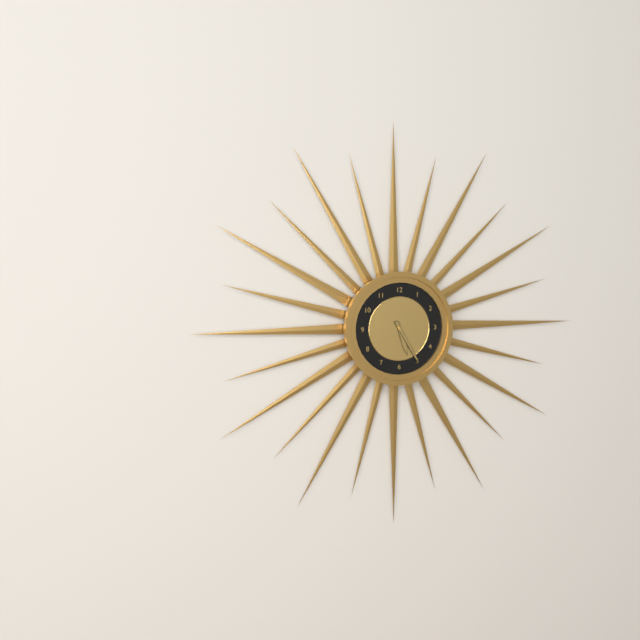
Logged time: 5,25
